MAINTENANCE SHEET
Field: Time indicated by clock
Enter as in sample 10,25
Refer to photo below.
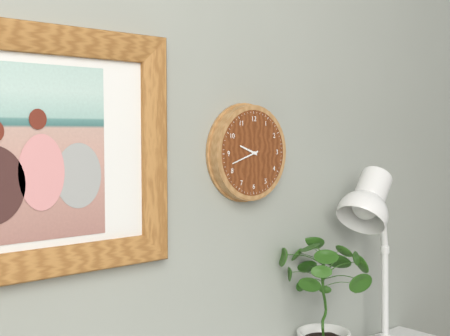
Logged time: 9,42
